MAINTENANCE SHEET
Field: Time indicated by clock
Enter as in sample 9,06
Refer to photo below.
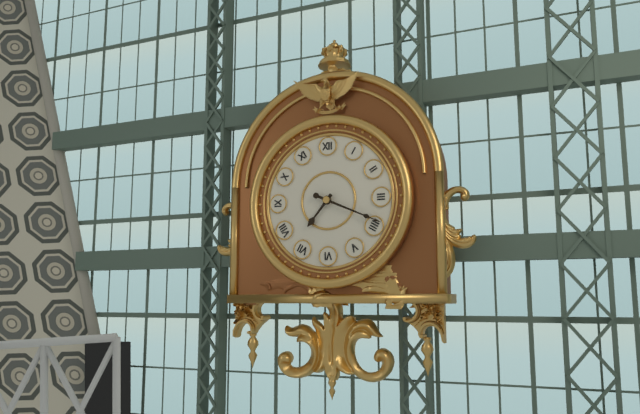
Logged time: 7,19
